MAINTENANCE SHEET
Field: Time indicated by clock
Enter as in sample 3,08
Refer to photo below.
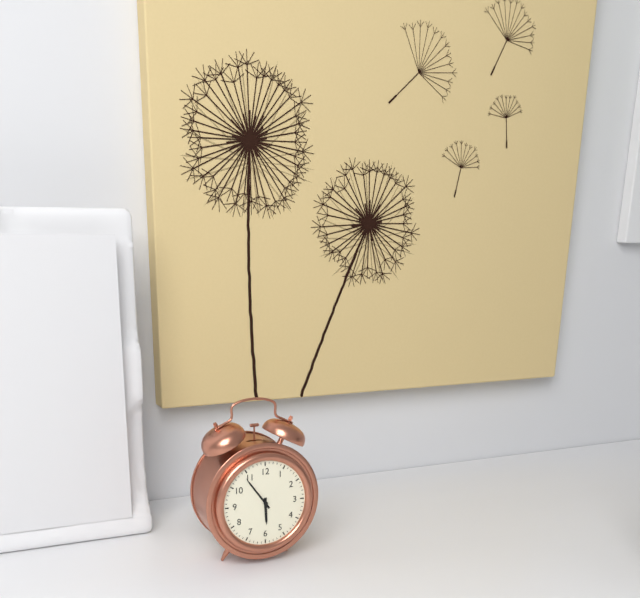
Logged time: 5,54
